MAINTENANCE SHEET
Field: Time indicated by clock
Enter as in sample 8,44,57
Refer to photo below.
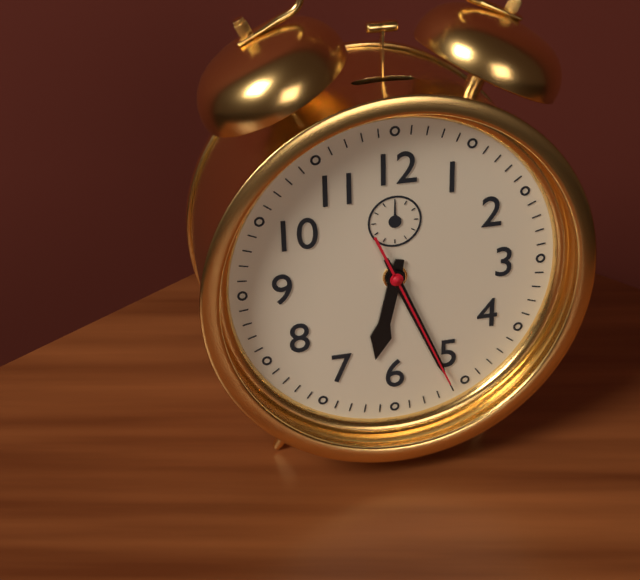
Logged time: 6,26,26
